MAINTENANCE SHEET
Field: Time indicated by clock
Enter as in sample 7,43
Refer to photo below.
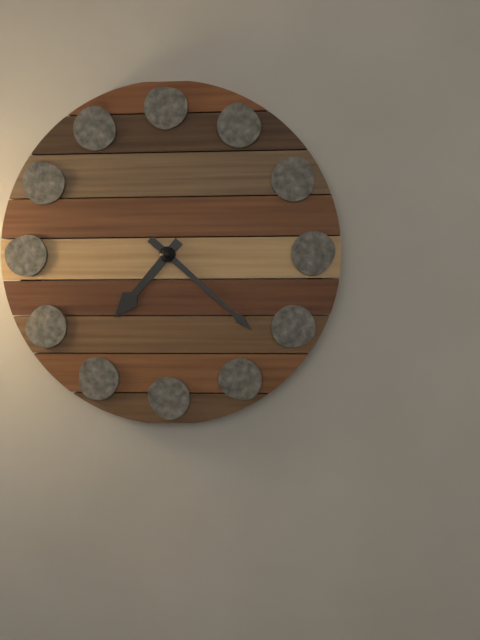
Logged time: 7,22
